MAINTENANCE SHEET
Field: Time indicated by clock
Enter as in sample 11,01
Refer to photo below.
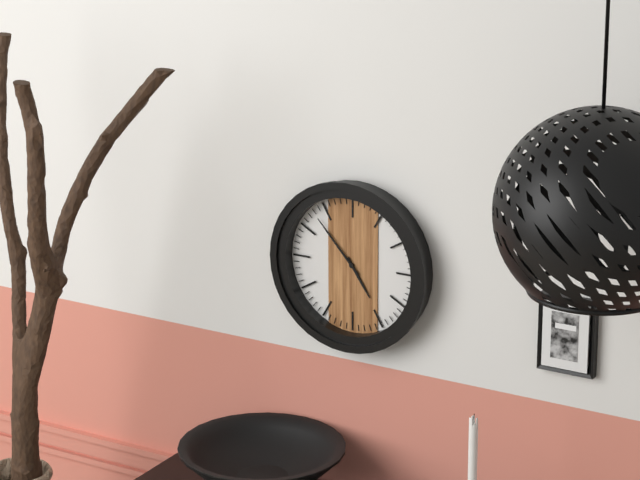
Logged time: 4,53
